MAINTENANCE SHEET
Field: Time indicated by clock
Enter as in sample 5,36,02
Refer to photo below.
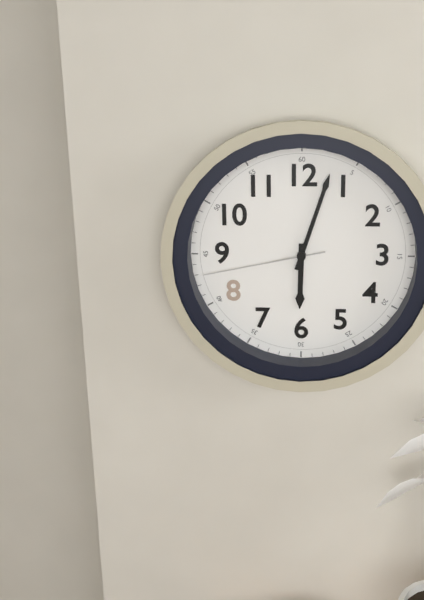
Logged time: 6,03,43
